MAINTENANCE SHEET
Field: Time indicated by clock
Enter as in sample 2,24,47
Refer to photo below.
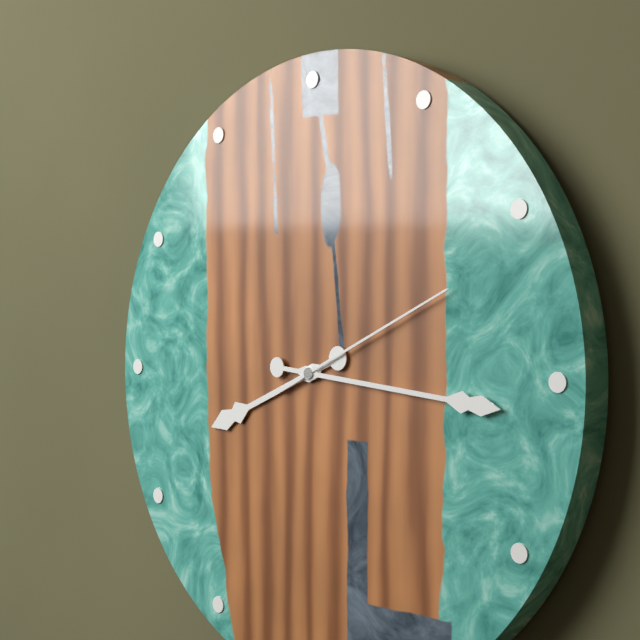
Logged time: 8,16,11
